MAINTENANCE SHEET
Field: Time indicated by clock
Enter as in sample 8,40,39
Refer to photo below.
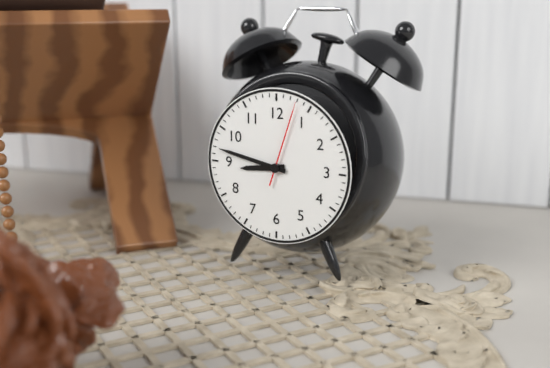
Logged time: 8,47,03
